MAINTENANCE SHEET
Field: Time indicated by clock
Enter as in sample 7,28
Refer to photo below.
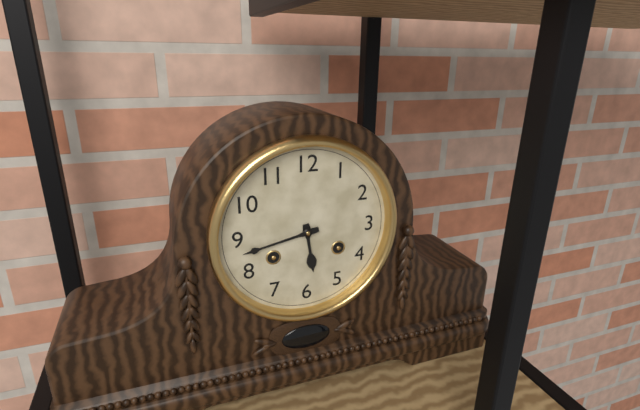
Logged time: 5,43
